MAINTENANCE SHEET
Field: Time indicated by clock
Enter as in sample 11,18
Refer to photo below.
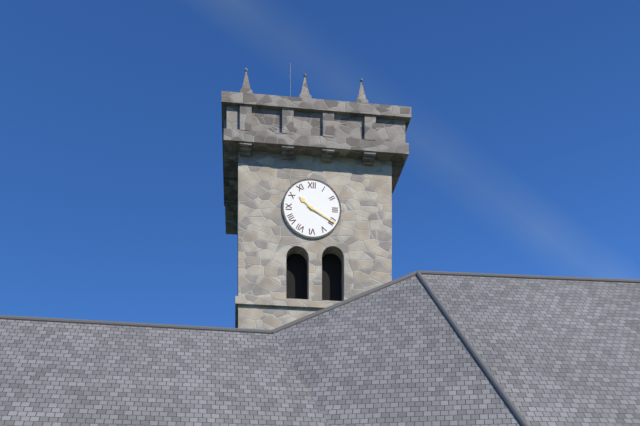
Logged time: 10,20
